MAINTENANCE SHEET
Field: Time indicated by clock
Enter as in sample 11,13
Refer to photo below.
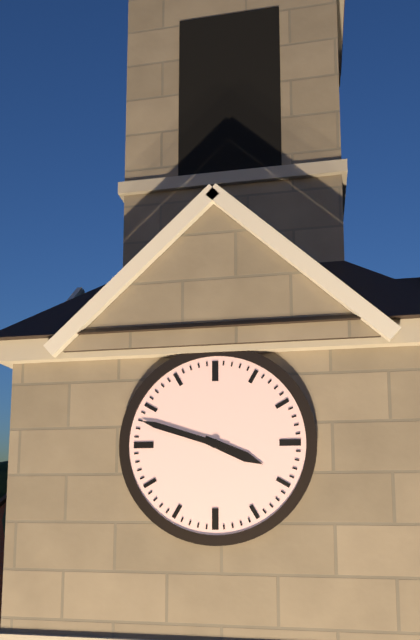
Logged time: 3,48
